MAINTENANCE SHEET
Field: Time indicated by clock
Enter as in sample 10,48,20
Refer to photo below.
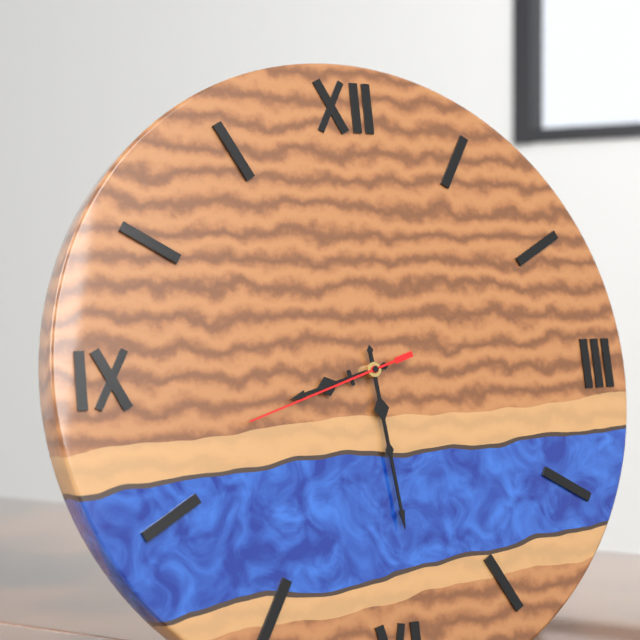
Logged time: 8,29,42
